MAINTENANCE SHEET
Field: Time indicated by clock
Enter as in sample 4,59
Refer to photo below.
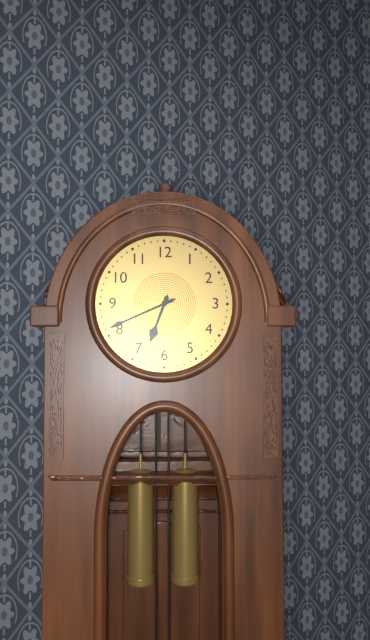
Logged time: 6,41
